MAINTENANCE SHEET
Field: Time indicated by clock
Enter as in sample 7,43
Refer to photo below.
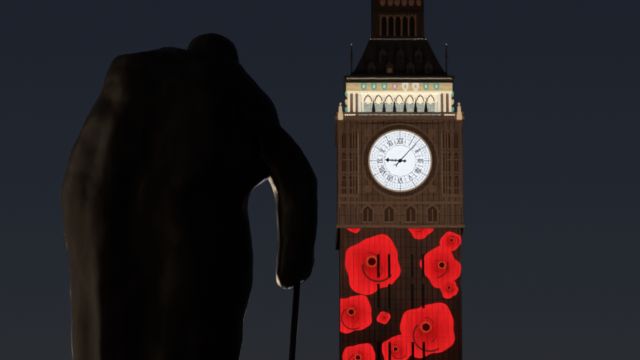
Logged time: 9,07
